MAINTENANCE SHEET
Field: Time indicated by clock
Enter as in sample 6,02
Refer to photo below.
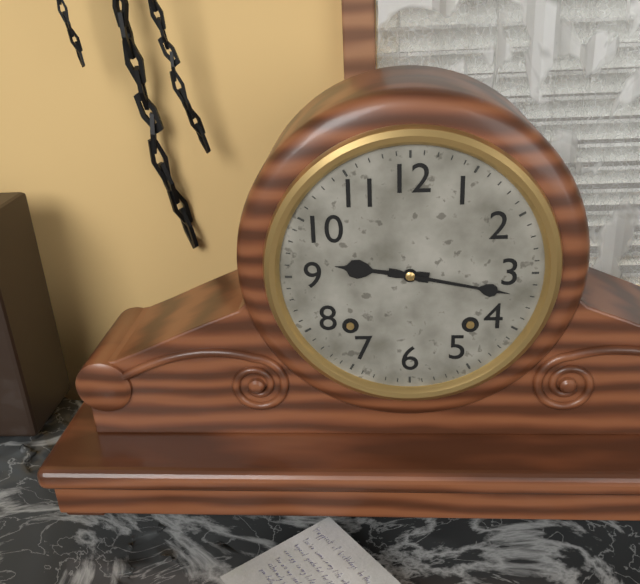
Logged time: 9,17
